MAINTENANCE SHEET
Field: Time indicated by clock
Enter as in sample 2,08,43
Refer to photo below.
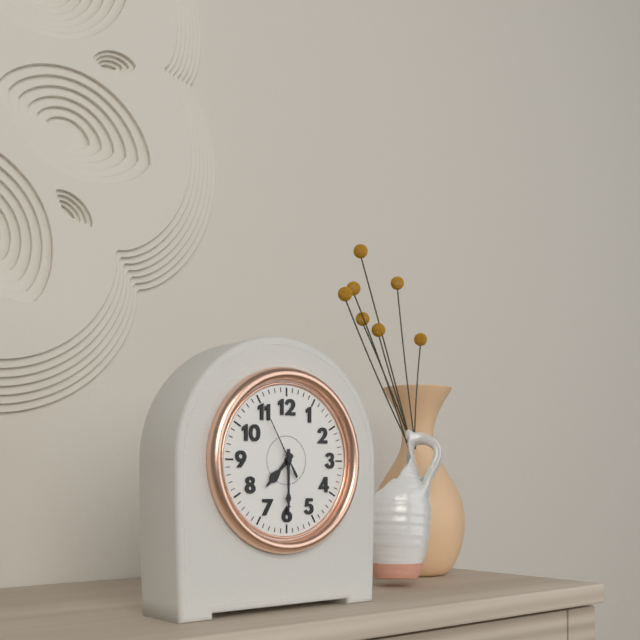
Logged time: 7,30,55
